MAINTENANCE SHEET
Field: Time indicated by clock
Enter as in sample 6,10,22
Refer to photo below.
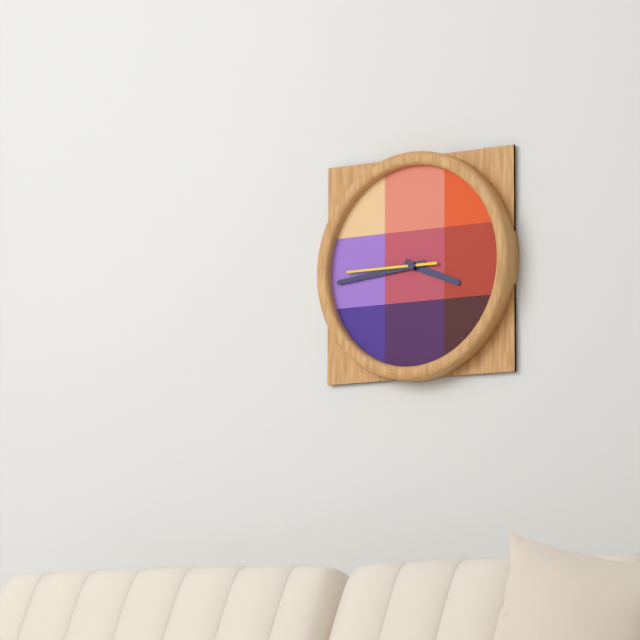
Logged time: 3,44,45
